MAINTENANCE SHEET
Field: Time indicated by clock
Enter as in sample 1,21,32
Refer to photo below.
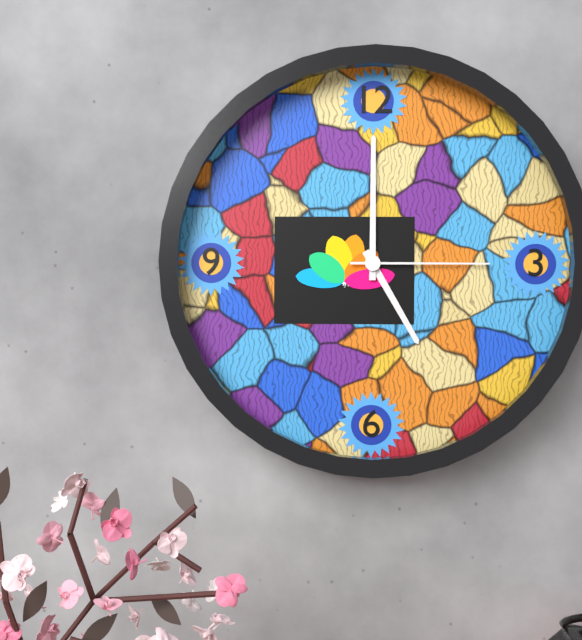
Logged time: 5,00,15
